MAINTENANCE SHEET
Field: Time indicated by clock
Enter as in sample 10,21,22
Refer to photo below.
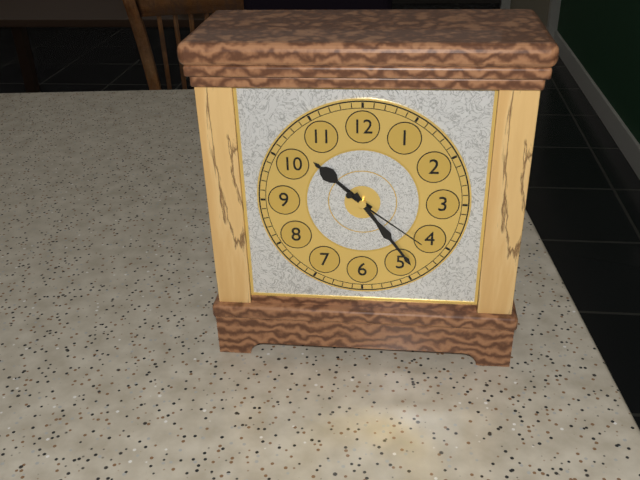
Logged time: 10,24,21
